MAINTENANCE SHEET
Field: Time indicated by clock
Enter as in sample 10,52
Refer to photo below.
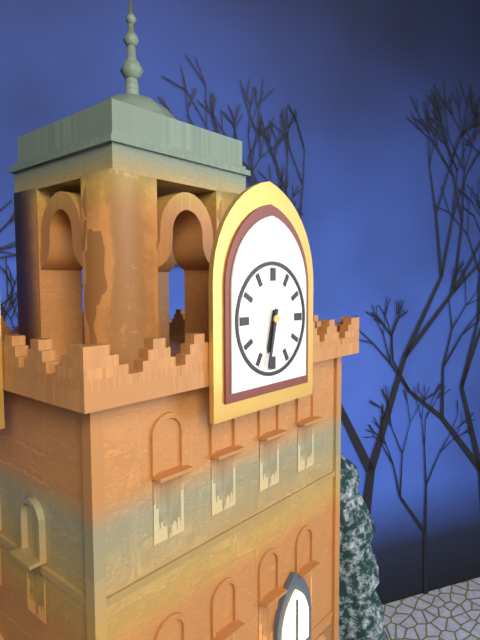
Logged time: 6,32
